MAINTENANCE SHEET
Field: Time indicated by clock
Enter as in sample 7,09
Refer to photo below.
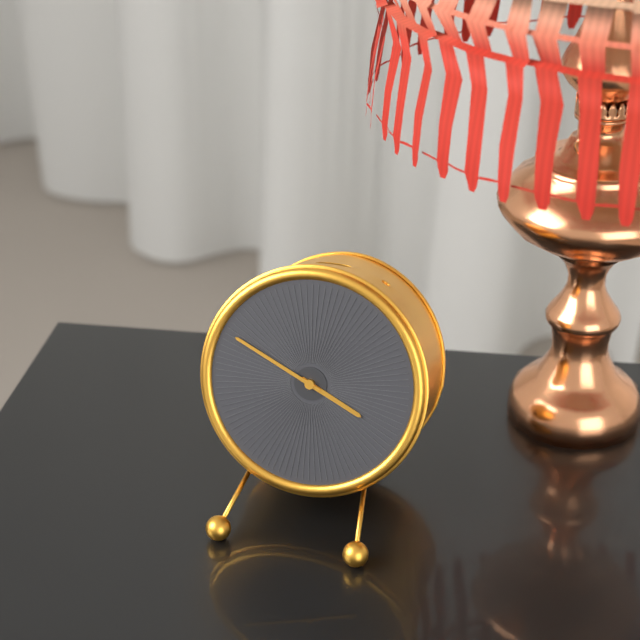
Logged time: 3,49
